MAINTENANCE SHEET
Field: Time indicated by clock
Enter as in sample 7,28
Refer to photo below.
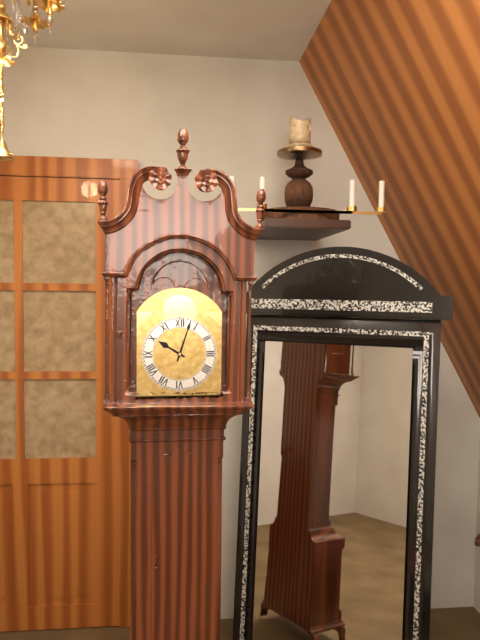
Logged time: 10,03
